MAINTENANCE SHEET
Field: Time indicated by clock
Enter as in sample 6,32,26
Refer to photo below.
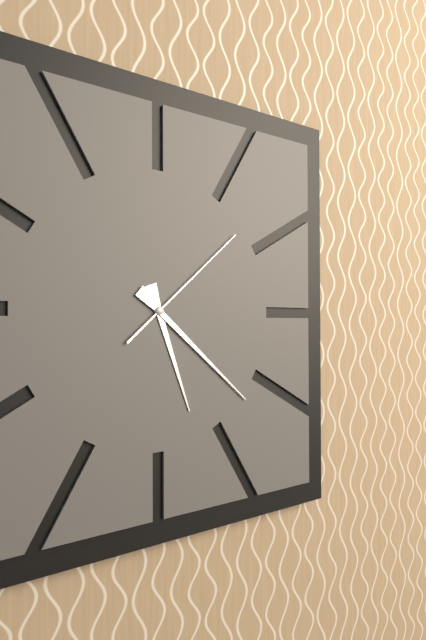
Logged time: 5,22,08
